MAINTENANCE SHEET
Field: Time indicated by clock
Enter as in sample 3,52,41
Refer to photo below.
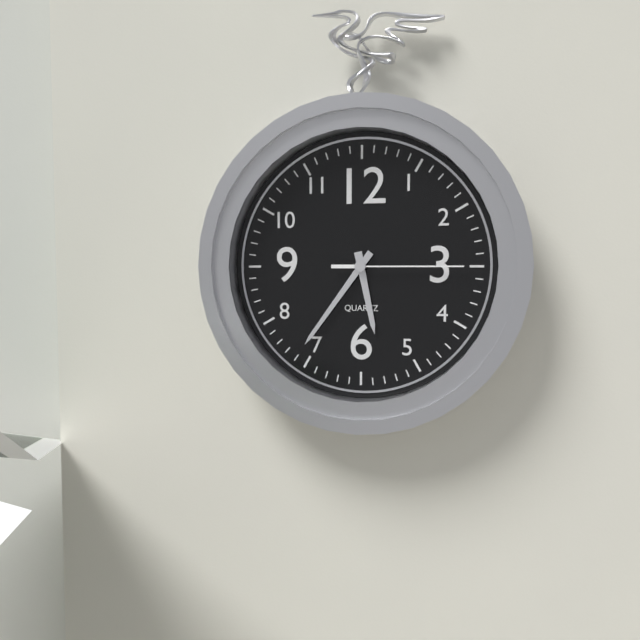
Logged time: 5,36,15
